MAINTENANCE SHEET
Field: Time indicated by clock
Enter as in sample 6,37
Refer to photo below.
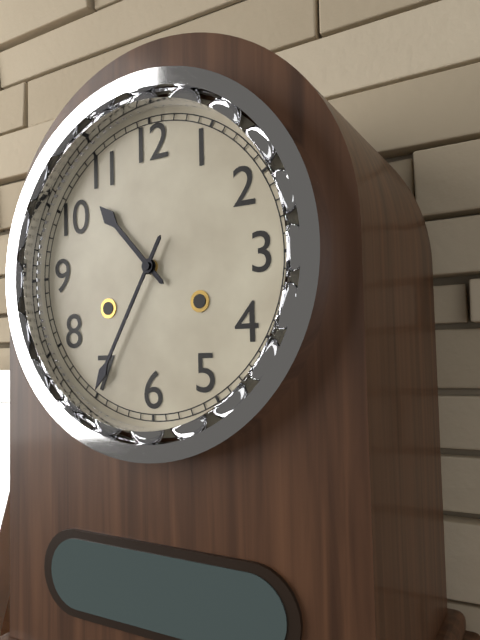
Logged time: 10,35
